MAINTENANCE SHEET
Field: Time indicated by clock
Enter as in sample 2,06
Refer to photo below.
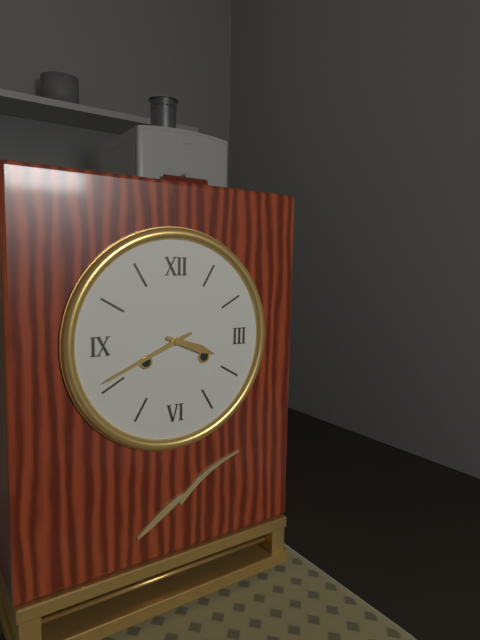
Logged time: 3,41
